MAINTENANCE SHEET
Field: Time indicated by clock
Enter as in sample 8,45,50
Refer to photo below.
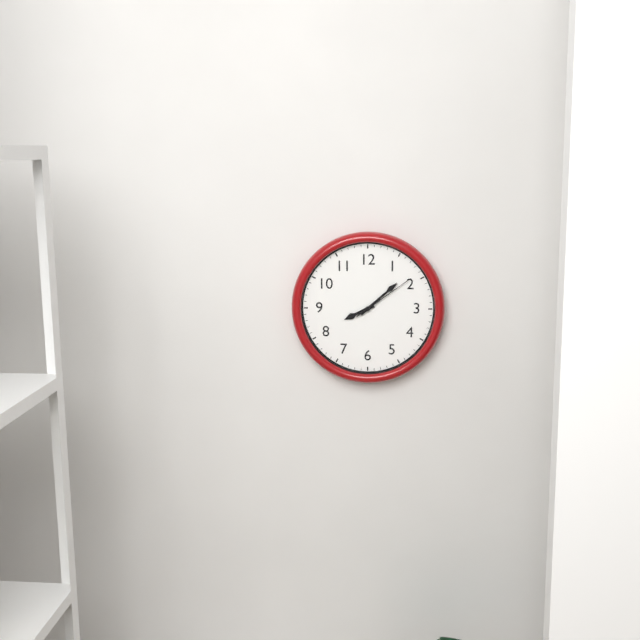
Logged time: 8,08,09
